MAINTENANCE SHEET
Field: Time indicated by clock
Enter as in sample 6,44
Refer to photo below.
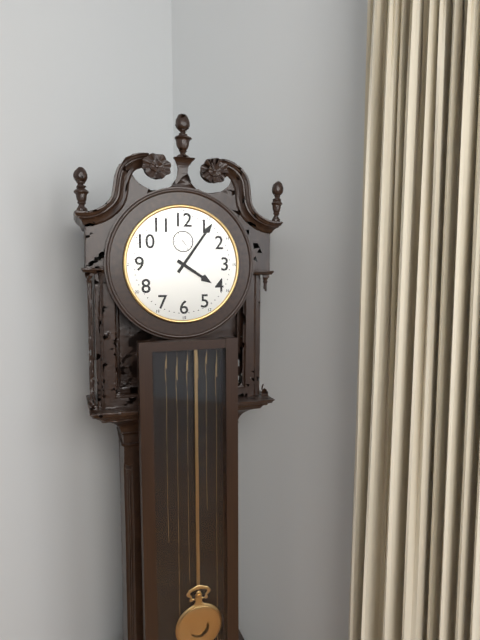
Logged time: 4,06
